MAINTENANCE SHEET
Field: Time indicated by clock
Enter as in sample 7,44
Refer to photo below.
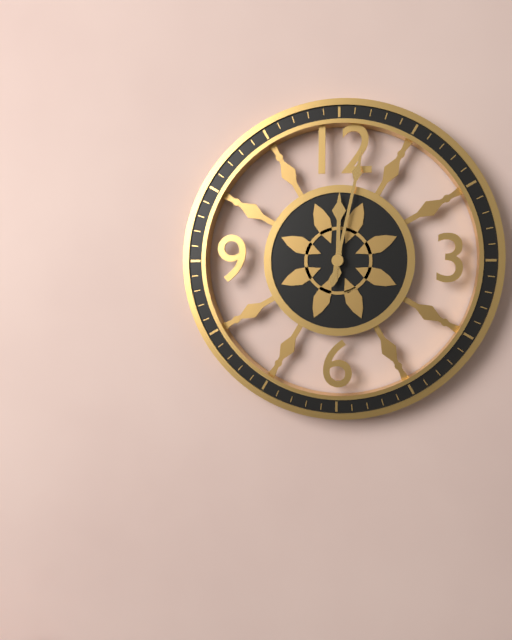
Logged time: 12,02
